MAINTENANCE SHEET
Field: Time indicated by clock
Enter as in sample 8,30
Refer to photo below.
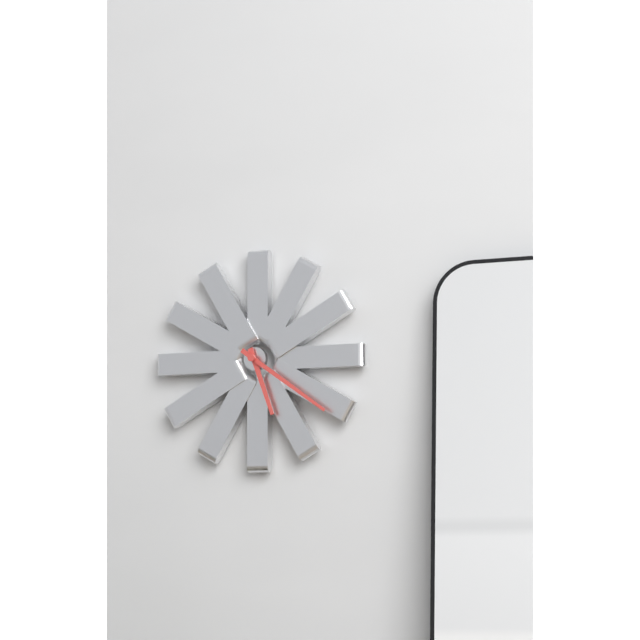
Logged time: 5,21
